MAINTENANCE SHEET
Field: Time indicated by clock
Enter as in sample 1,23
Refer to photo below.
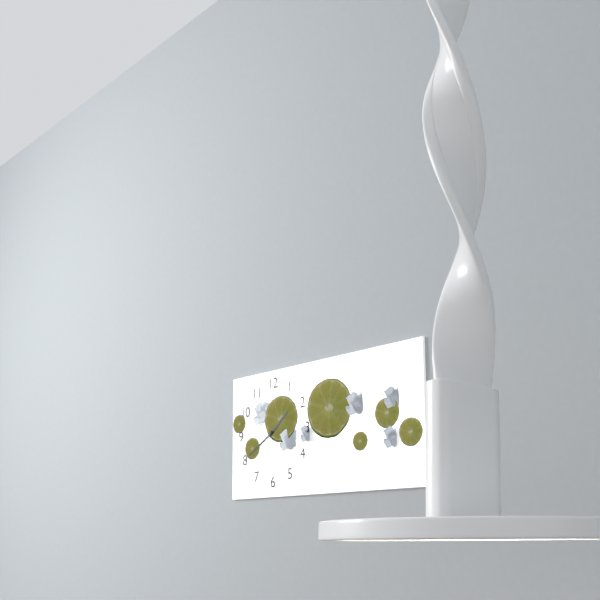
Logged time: 1,40
